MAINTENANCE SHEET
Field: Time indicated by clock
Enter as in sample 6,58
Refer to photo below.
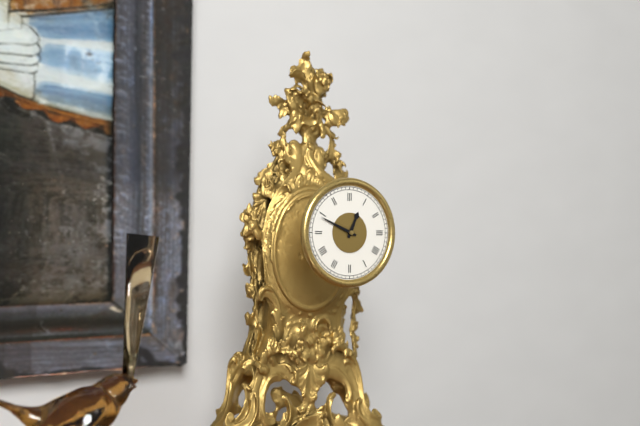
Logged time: 12,49
